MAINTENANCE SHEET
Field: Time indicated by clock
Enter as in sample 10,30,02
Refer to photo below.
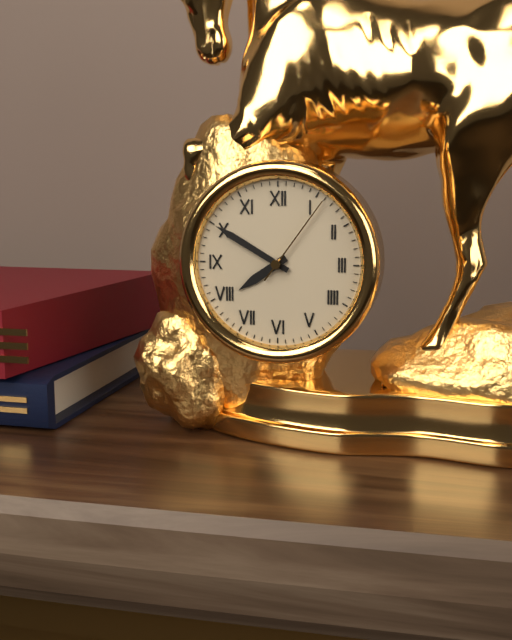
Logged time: 7,50,06
